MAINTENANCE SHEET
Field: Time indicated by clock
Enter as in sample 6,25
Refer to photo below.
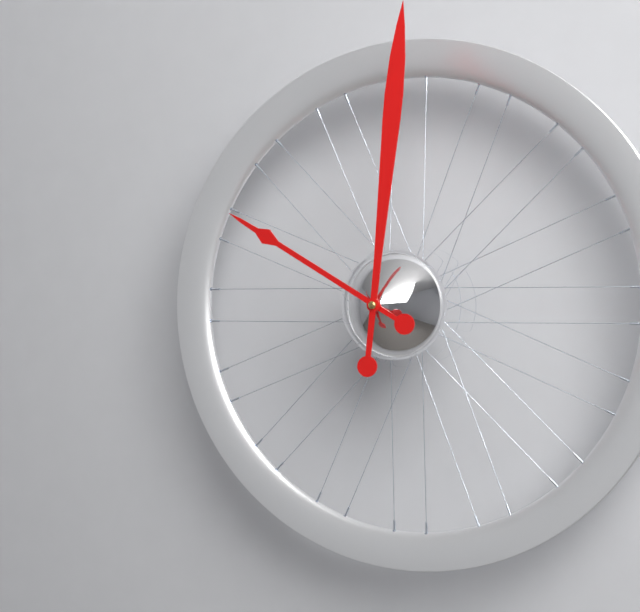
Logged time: 10,01
